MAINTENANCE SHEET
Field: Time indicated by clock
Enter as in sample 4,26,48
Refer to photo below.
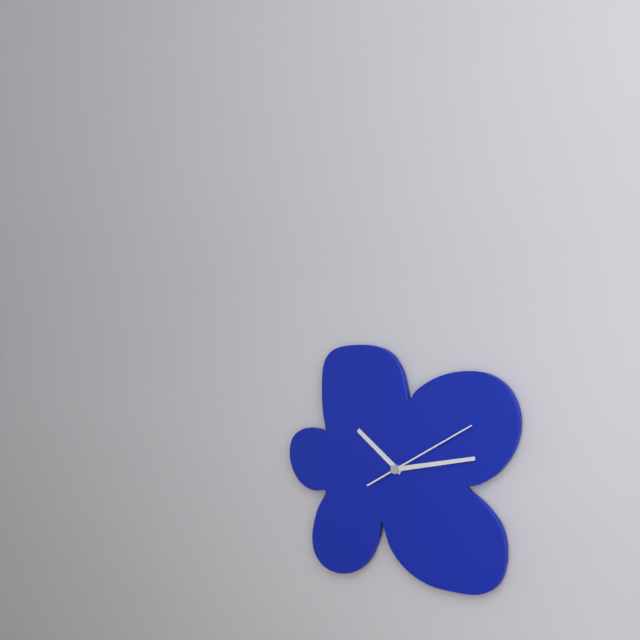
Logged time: 10,13,10
